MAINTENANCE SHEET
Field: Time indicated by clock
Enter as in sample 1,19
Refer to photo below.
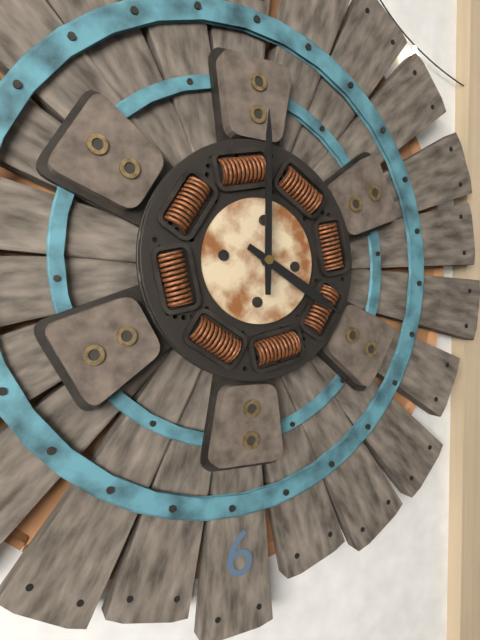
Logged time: 4,00
